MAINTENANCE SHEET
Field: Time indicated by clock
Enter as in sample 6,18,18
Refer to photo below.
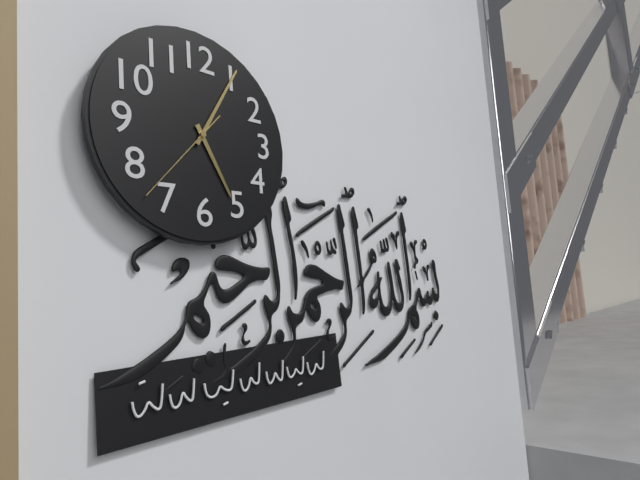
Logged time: 5,05,37
